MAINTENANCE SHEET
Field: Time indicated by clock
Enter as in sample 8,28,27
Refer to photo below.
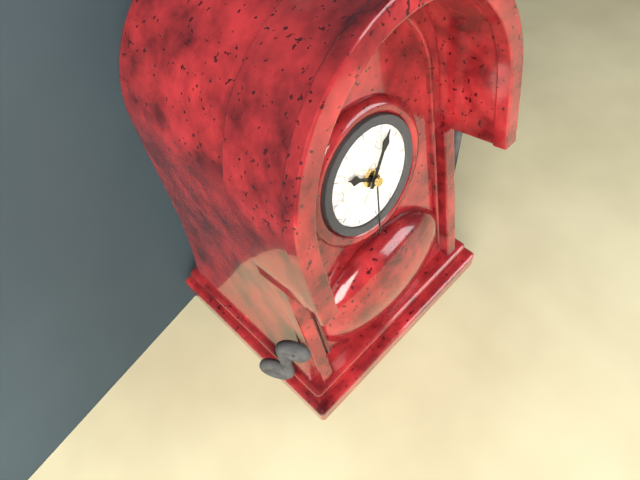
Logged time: 10,06,31
